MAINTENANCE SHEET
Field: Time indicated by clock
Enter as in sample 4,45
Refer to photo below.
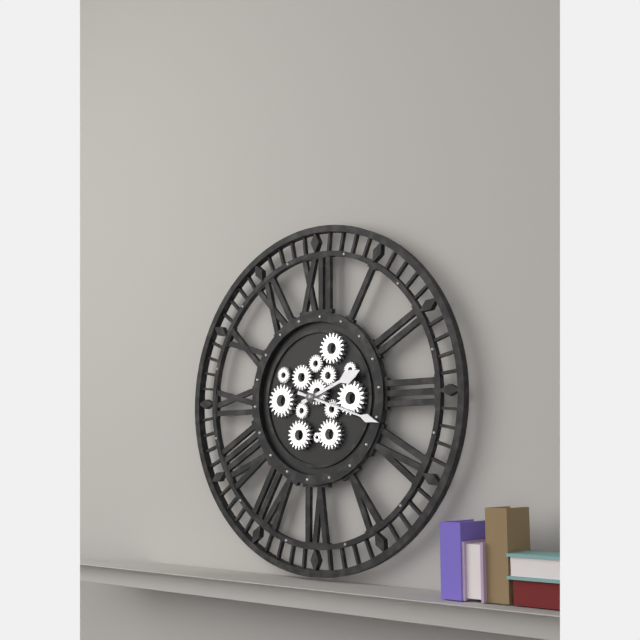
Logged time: 2,18
